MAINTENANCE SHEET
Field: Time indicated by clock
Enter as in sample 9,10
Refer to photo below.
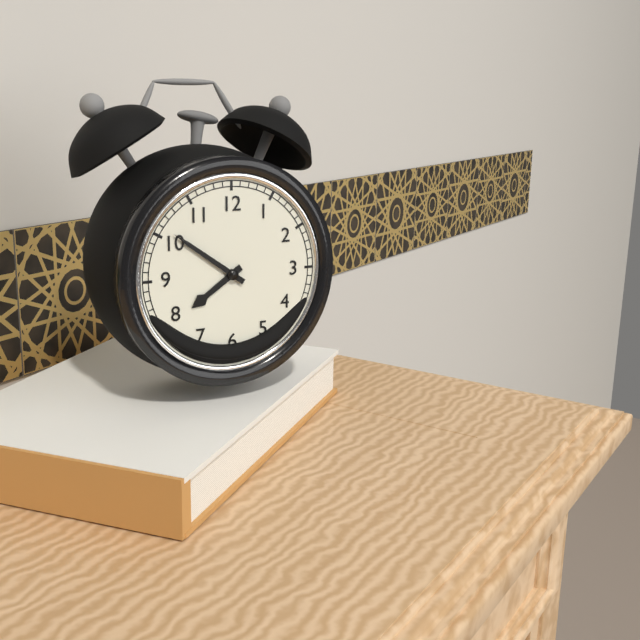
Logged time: 7,51
